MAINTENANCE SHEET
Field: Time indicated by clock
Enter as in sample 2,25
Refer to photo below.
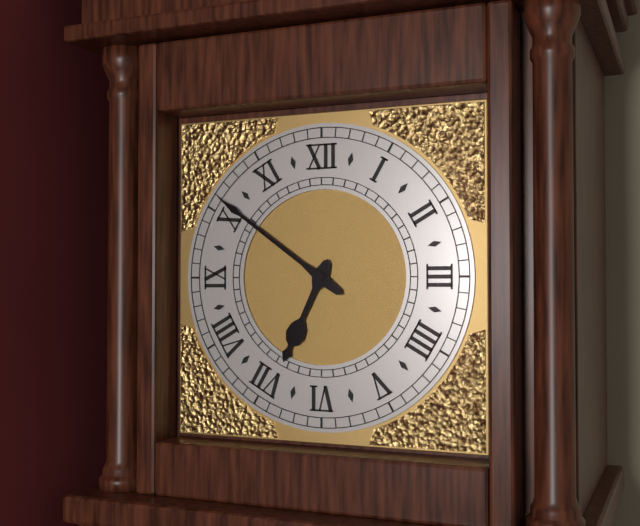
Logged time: 6,51
